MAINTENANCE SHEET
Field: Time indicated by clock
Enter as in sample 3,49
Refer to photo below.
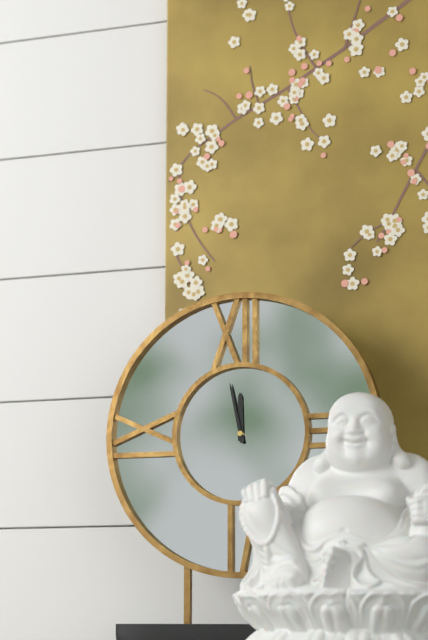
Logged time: 11,58
